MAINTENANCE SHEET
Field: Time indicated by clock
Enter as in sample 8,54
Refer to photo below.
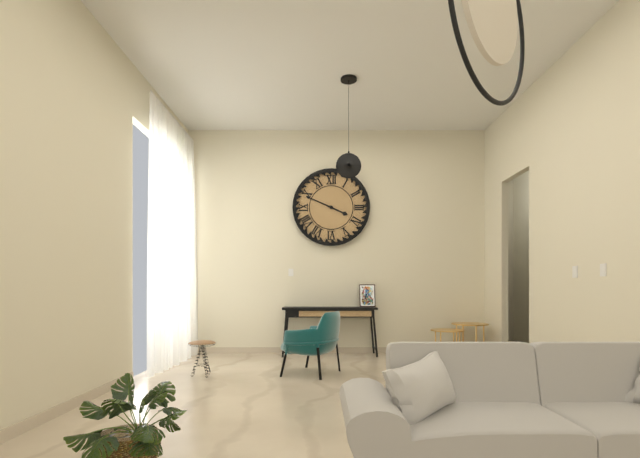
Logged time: 3,49
